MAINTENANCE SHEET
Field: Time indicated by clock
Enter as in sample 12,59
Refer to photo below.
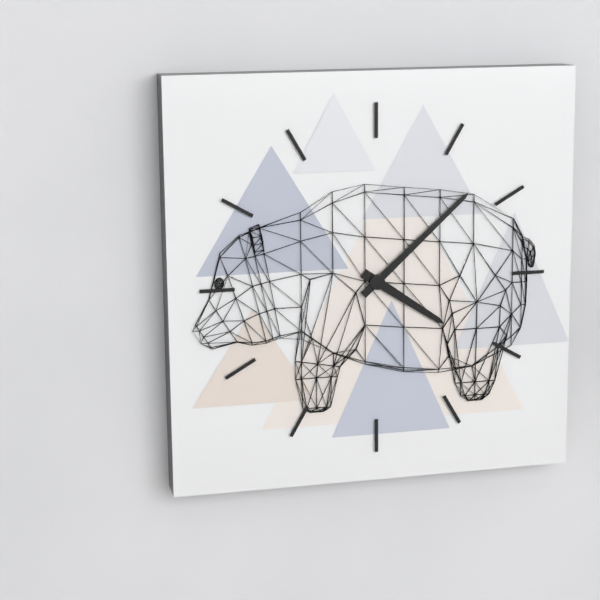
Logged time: 4,08
